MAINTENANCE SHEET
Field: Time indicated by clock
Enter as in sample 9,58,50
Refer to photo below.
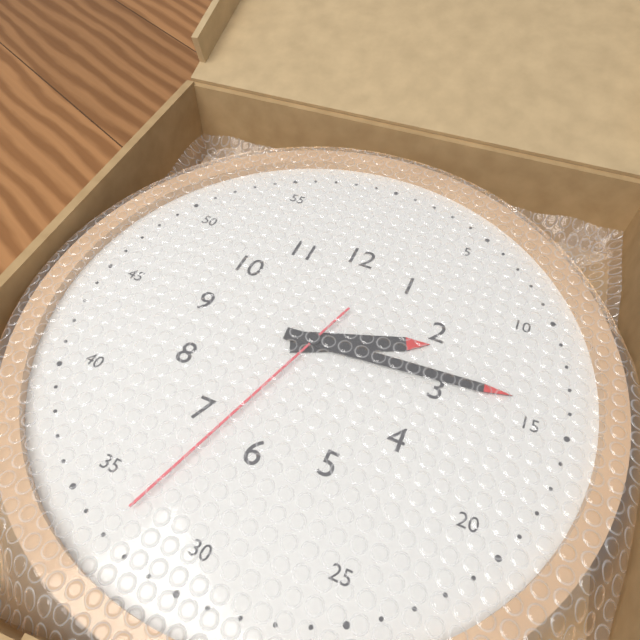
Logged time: 2,14,33
